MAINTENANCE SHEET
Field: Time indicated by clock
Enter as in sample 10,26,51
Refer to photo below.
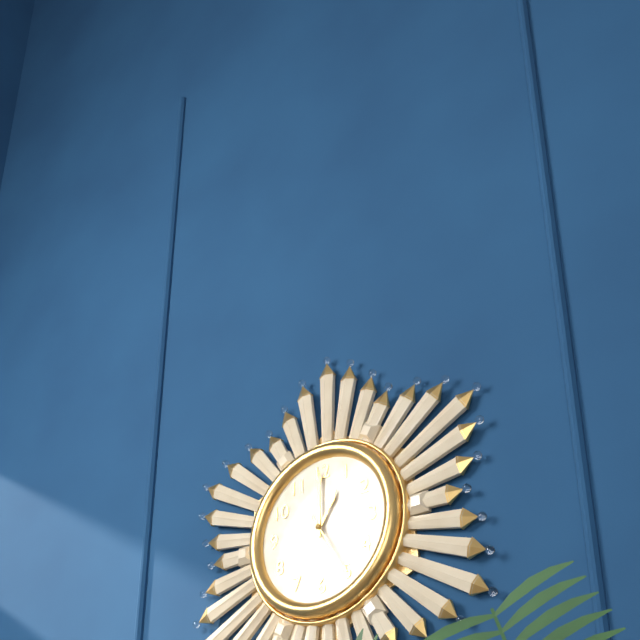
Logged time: 1,00,25
